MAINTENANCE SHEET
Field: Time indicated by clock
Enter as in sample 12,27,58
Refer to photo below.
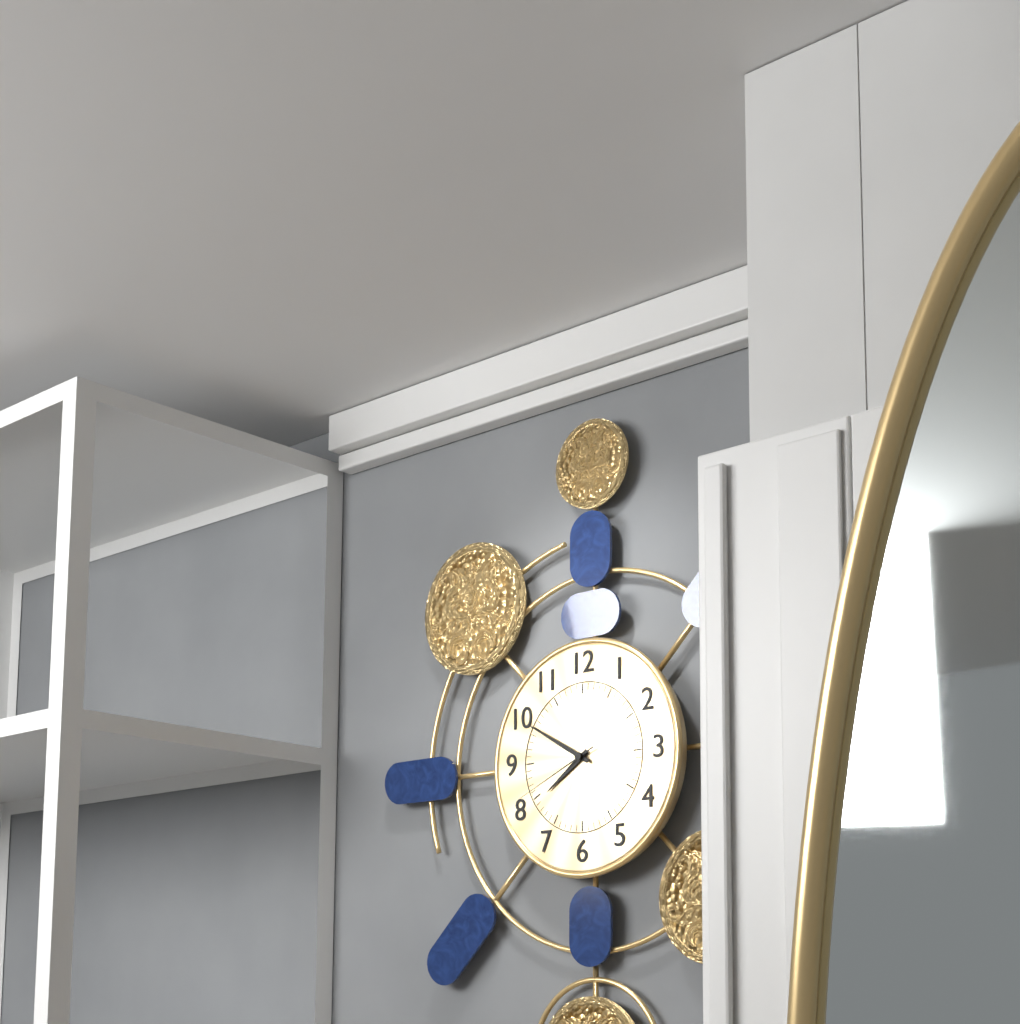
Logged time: 7,50,41
